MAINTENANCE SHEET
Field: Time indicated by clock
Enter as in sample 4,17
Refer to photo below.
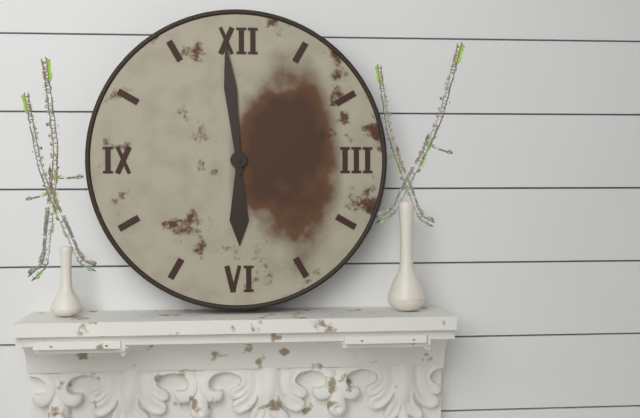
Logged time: 5,59
